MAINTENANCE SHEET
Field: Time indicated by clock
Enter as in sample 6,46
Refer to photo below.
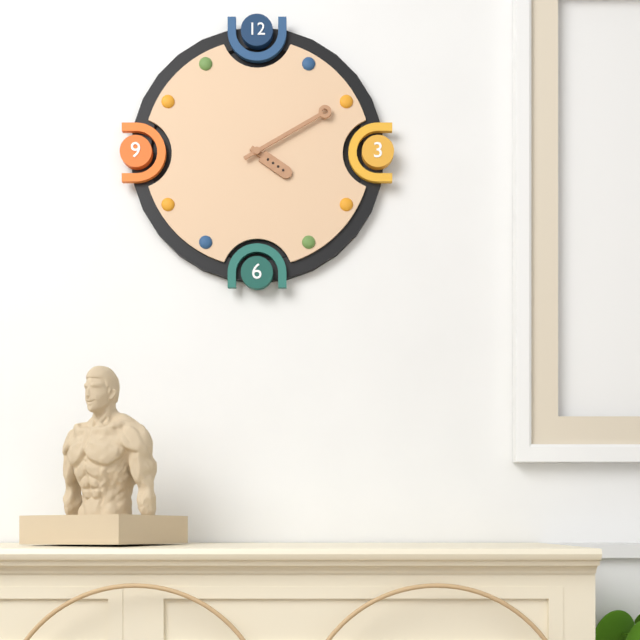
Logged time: 4,10
